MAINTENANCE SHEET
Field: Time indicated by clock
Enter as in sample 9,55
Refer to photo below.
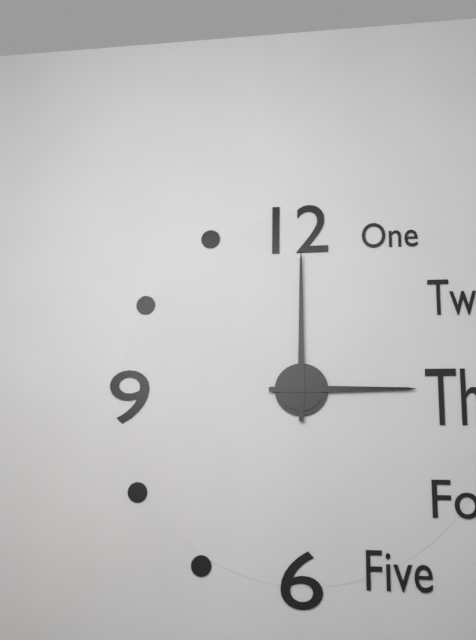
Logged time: 3,00
